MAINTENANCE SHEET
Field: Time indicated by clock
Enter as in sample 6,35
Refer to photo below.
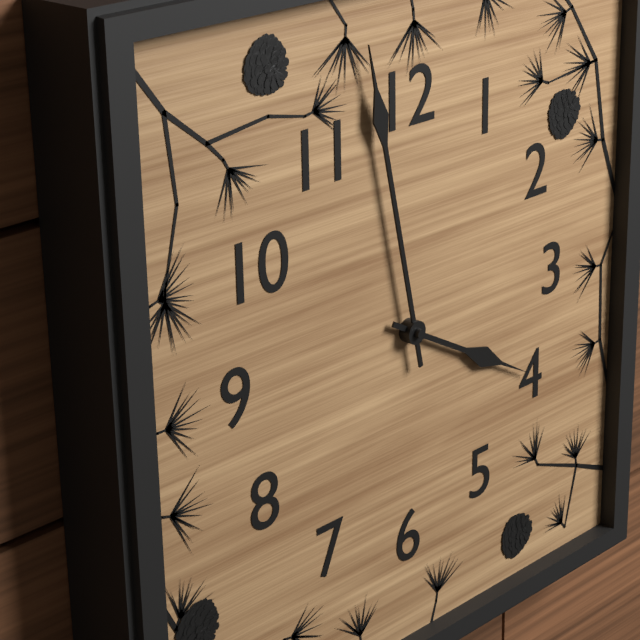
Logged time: 3,58
